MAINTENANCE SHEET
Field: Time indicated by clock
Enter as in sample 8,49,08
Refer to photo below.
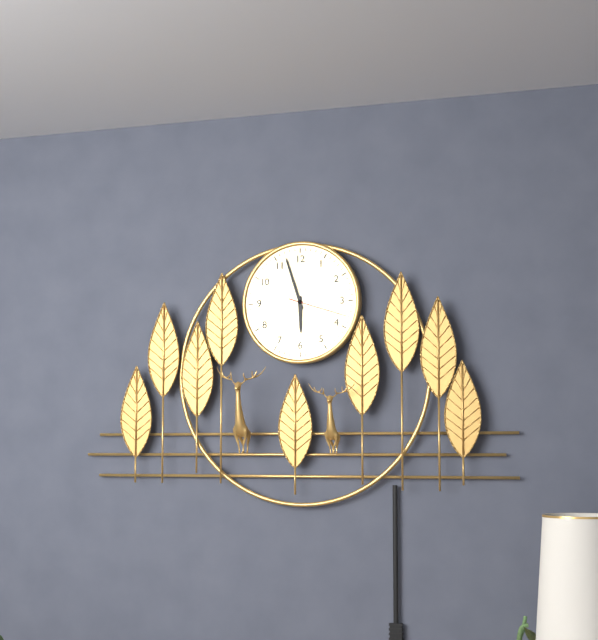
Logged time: 5,57,18
